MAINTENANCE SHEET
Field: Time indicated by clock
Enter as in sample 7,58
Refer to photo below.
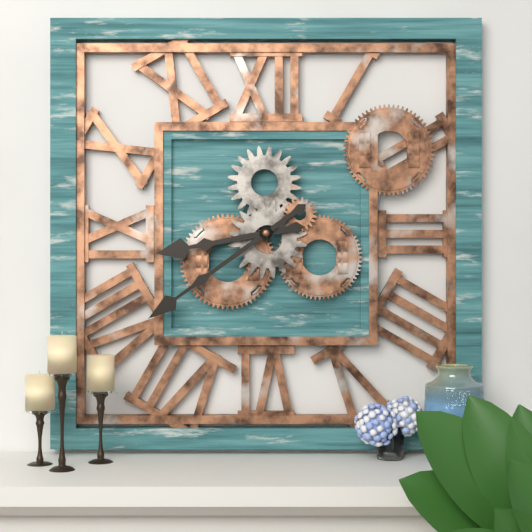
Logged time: 8,39
